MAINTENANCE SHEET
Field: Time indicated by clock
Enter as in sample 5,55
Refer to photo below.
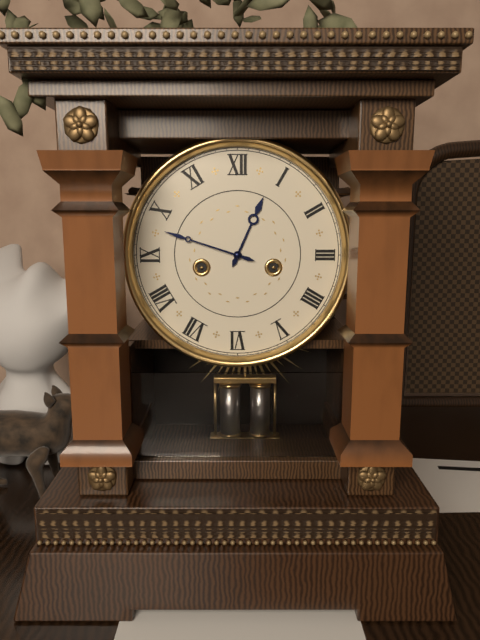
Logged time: 12,48
